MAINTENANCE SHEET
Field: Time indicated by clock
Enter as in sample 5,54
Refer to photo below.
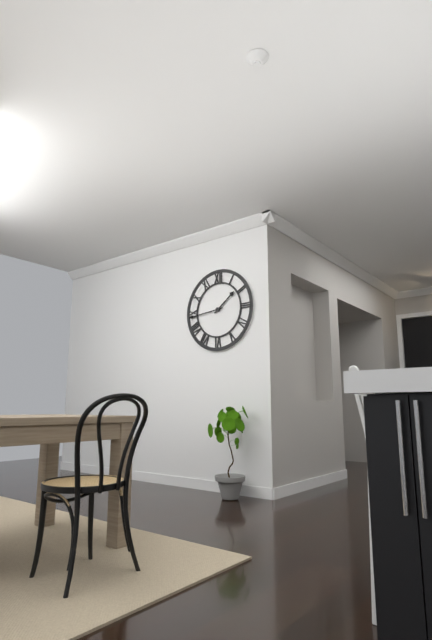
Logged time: 1,44
